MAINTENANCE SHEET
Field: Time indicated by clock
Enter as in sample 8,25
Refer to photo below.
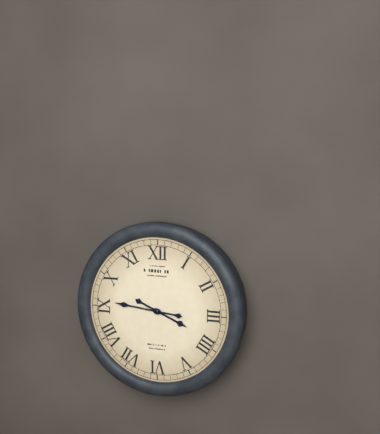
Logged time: 3,46
